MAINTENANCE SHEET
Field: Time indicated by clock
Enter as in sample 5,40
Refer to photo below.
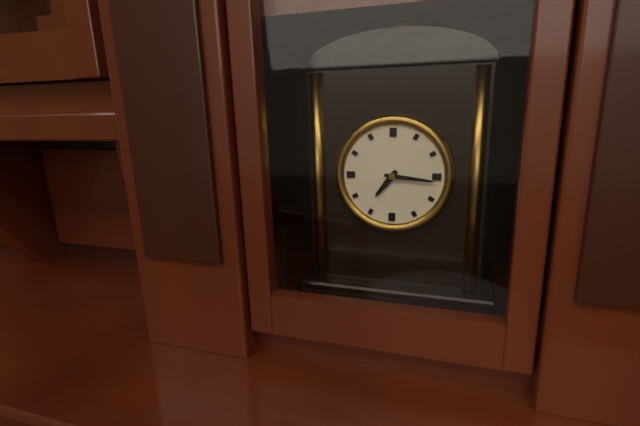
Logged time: 7,16
